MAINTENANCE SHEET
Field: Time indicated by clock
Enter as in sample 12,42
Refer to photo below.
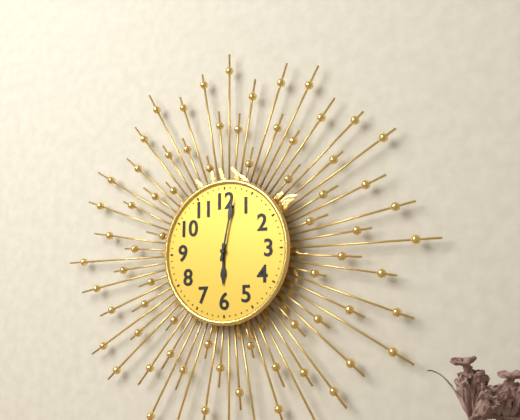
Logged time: 6,02
